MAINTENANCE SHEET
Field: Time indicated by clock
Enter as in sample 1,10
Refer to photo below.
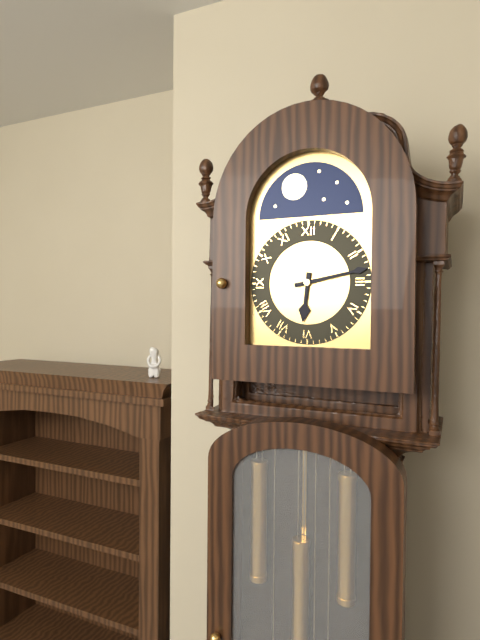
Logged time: 6,13
